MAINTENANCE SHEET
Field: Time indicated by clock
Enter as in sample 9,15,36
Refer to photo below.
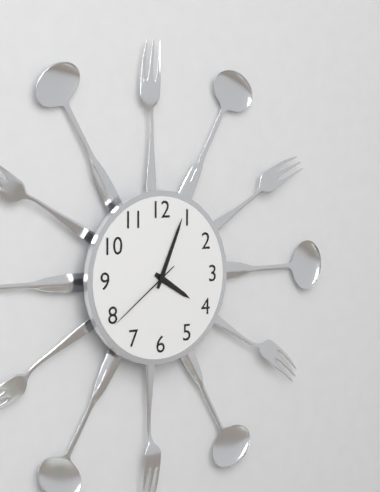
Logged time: 4,04,39
